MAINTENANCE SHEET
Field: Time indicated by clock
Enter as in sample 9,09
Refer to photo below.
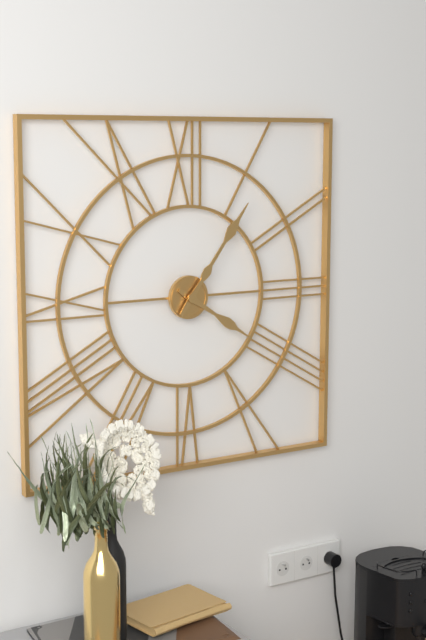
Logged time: 4,06
